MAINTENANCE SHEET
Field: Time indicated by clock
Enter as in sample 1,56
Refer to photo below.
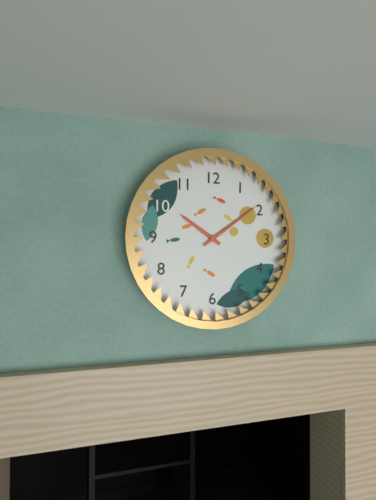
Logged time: 10,09
